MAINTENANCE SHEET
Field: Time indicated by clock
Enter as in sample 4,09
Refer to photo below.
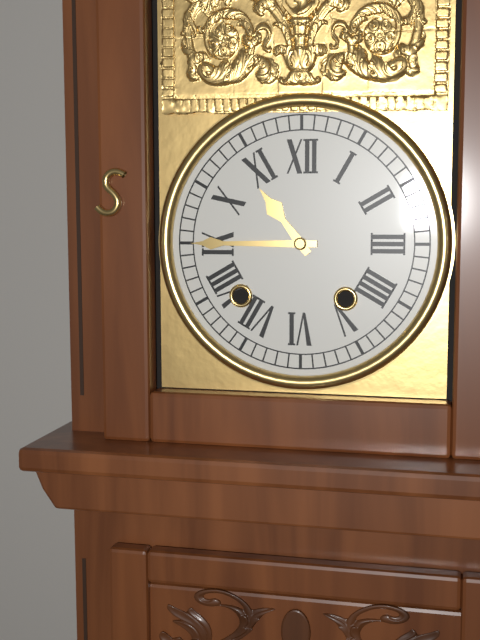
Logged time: 10,45
